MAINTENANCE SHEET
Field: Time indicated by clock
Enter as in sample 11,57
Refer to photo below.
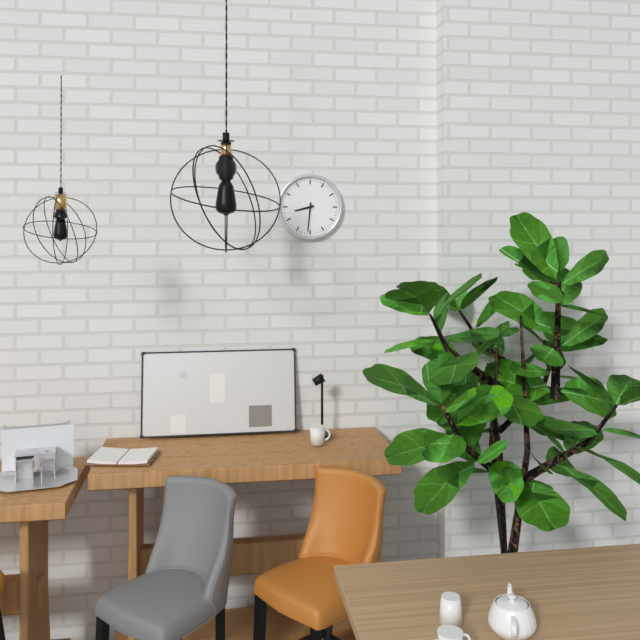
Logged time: 8,31
